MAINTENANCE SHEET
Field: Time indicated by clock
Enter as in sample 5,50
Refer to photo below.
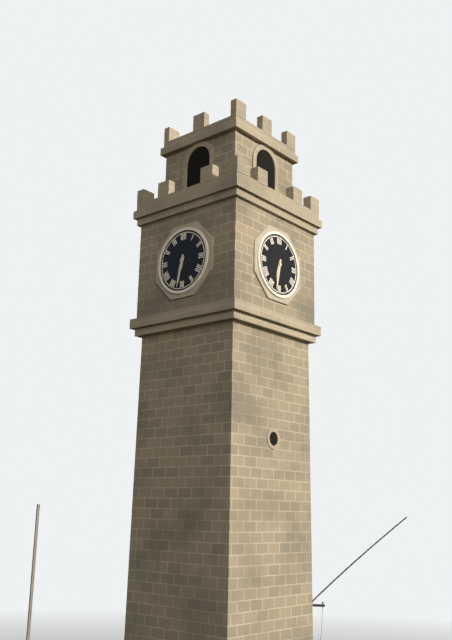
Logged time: 6,32
